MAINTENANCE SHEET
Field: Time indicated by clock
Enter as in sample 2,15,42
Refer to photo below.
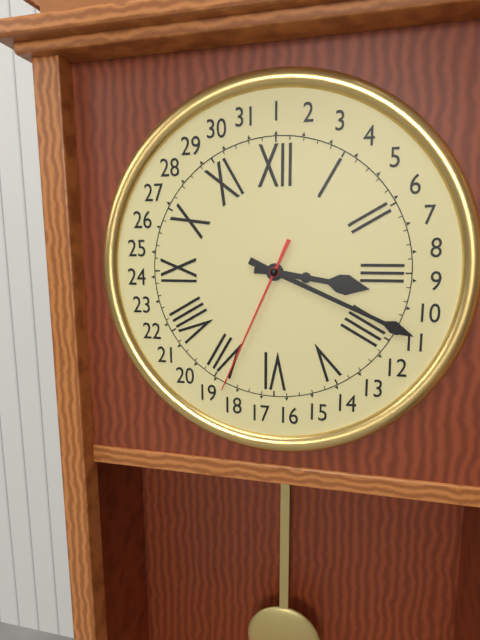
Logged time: 3,19,34
